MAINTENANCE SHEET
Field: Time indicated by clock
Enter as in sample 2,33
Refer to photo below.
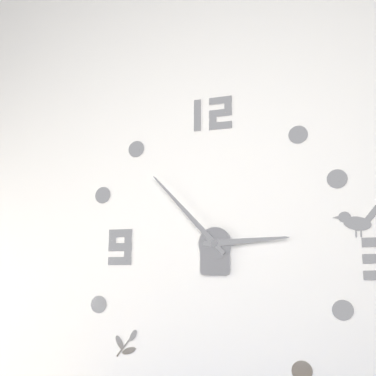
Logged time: 2,53
